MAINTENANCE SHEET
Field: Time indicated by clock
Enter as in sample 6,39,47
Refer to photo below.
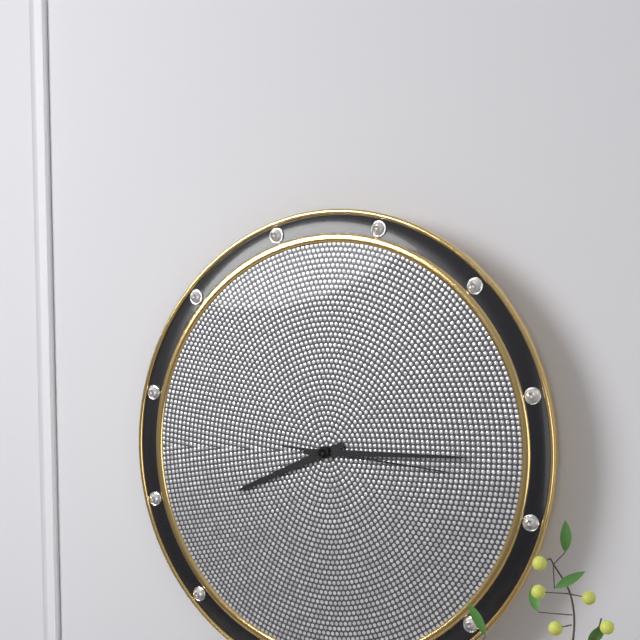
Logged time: 8,15,16
